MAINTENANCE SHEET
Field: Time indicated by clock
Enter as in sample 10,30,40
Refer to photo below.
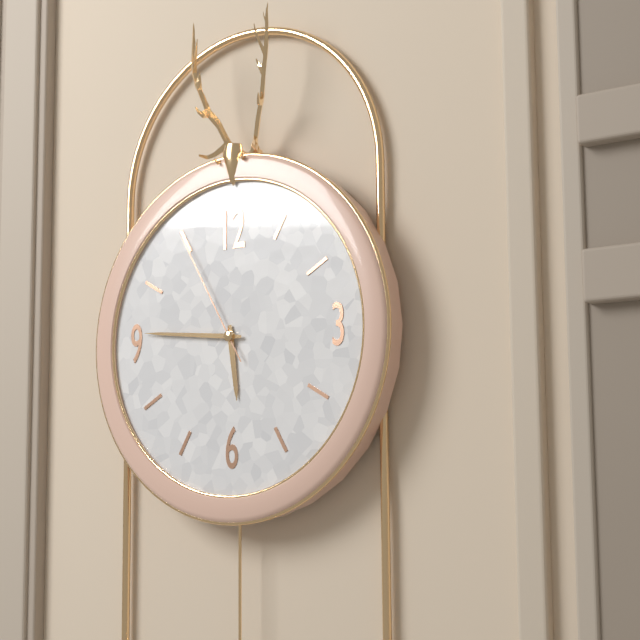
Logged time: 5,46,55
